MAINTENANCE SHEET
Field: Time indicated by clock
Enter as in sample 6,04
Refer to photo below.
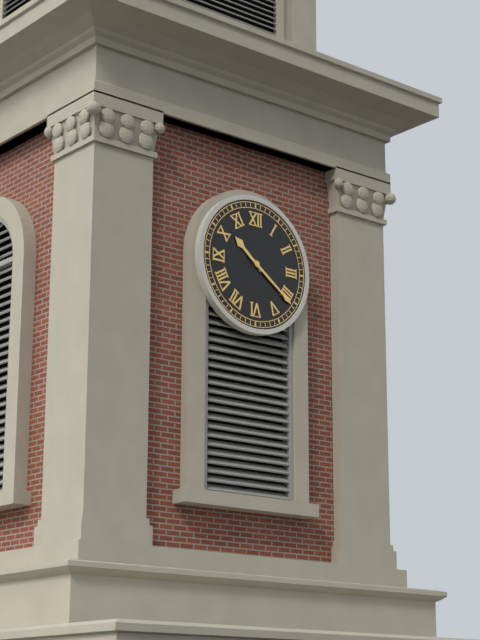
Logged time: 10,21
